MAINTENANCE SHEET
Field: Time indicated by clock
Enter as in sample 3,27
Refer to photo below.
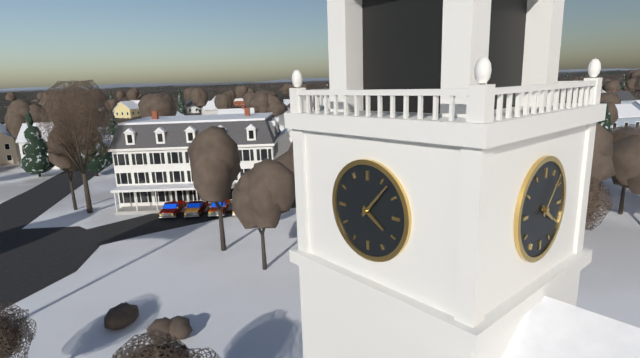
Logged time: 4,07
